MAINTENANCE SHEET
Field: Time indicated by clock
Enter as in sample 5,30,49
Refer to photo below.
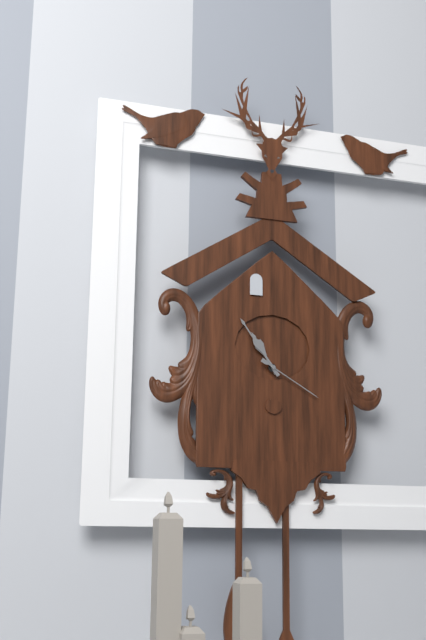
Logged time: 10,54,20
